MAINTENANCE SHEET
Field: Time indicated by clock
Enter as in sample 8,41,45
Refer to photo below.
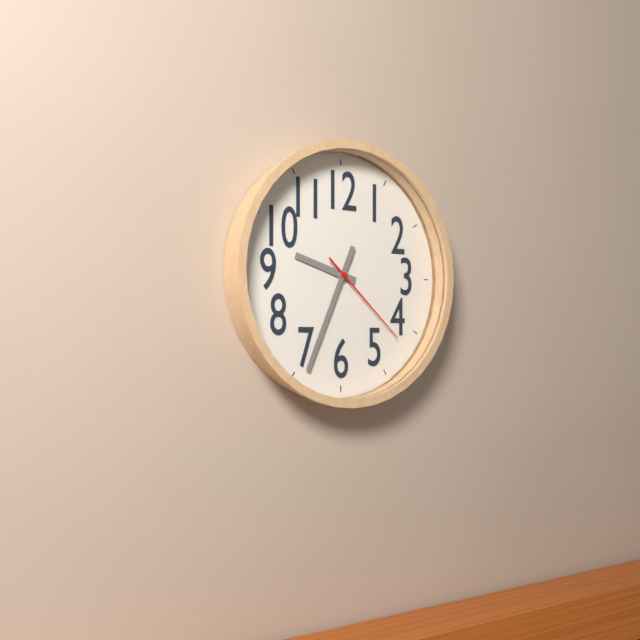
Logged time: 9,34,22
